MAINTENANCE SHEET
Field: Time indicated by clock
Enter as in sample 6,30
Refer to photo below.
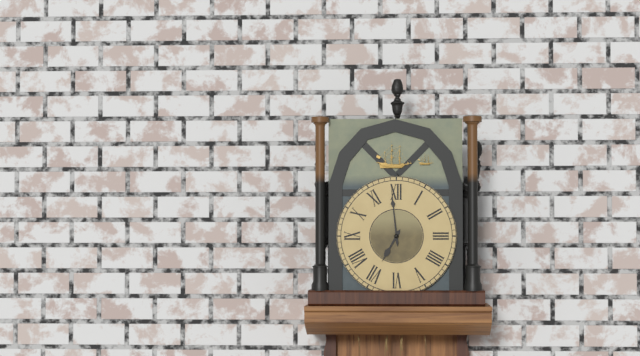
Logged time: 6,59
